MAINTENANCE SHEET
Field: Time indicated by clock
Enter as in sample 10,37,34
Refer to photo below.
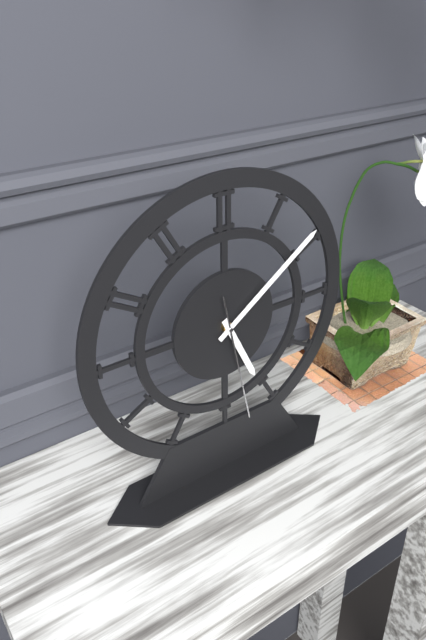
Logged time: 5,09,28
